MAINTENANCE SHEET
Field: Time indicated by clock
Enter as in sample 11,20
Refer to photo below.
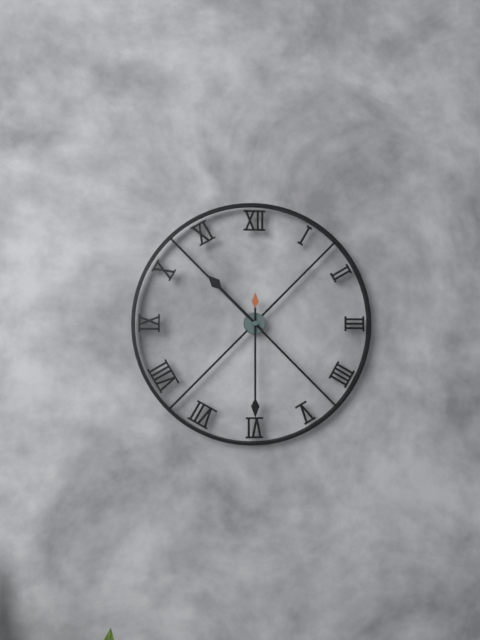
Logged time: 10,30
